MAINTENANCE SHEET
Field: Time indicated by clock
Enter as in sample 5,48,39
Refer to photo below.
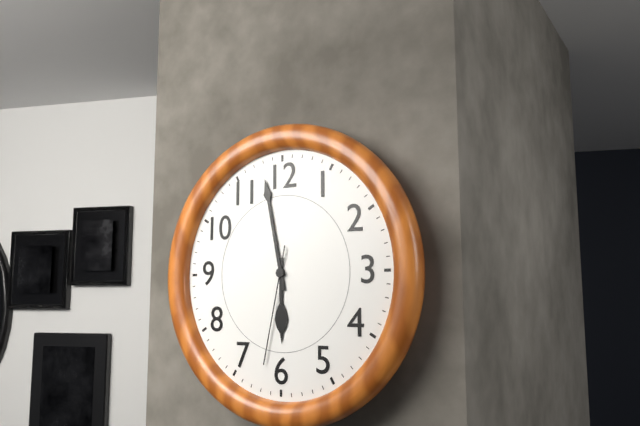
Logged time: 5,58,32
